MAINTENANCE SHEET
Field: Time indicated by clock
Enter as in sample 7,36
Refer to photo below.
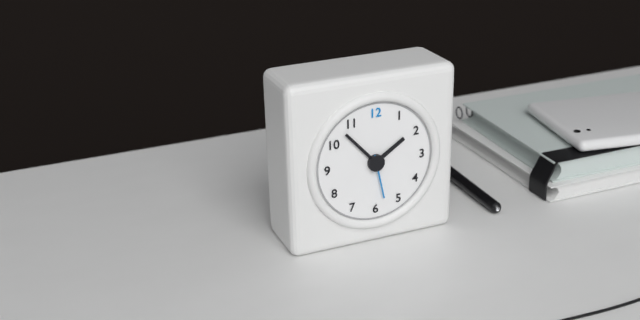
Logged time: 1,53
